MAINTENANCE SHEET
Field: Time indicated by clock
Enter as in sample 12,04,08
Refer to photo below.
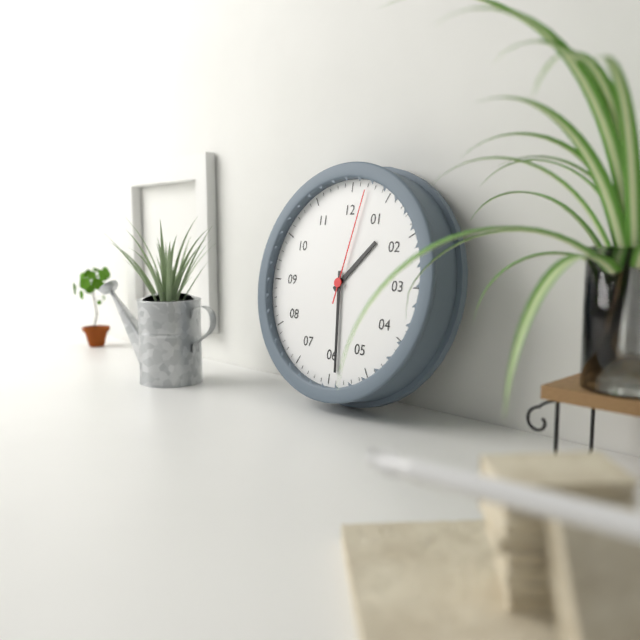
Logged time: 1,29,02
